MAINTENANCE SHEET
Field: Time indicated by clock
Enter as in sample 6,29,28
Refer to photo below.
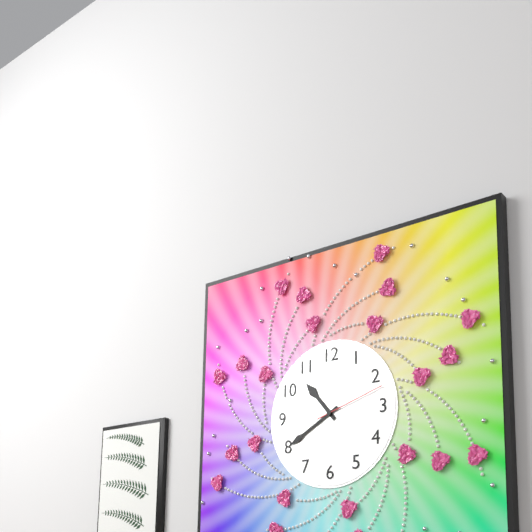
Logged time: 10,40,12
